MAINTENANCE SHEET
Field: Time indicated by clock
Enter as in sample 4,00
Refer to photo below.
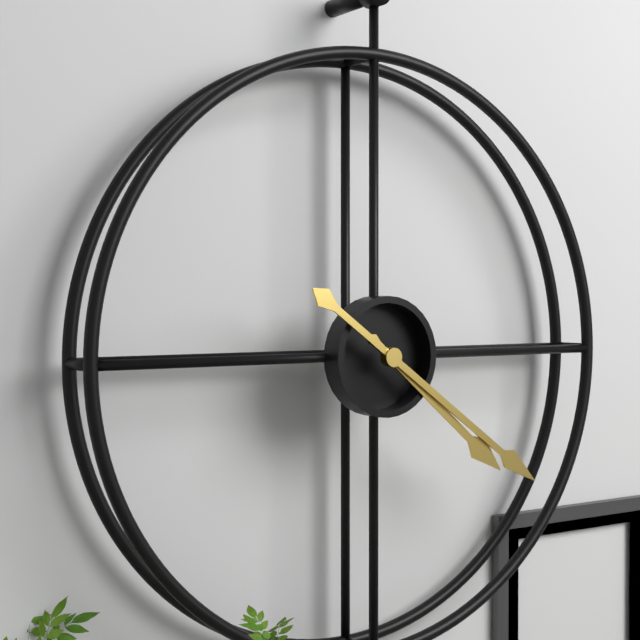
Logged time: 4,21
